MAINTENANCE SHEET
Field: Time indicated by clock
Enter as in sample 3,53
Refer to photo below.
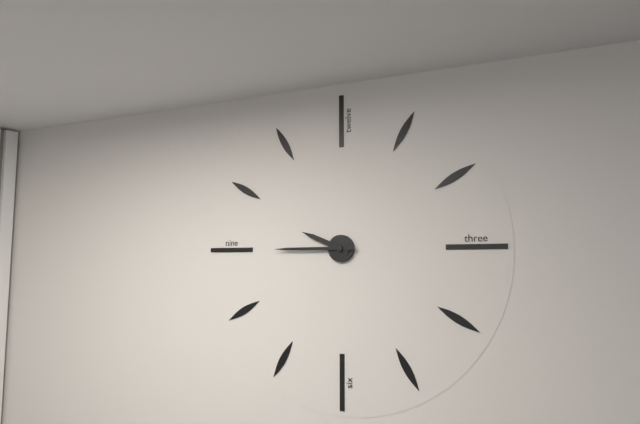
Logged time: 9,45
